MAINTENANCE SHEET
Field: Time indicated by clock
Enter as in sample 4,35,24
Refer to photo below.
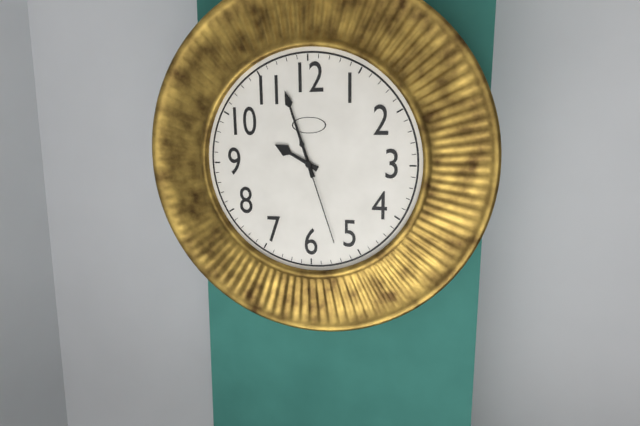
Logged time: 9,57,27
